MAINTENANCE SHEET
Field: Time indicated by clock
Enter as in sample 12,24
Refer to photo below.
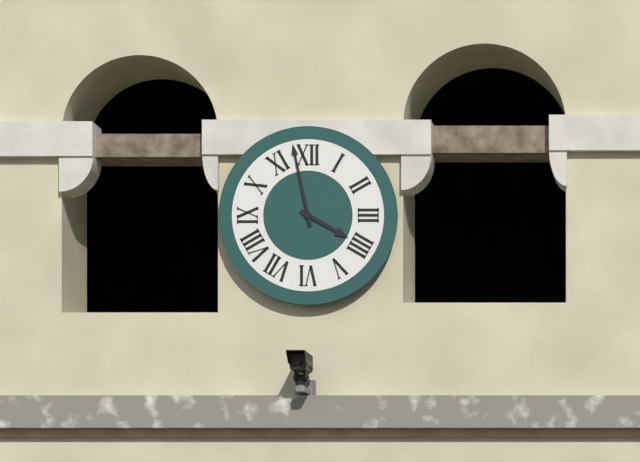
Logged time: 3,58
